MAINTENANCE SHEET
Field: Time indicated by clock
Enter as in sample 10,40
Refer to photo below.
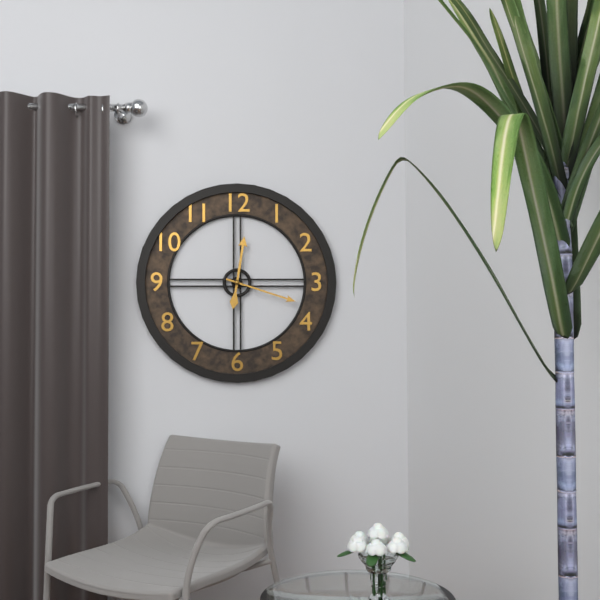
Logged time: 12,18
